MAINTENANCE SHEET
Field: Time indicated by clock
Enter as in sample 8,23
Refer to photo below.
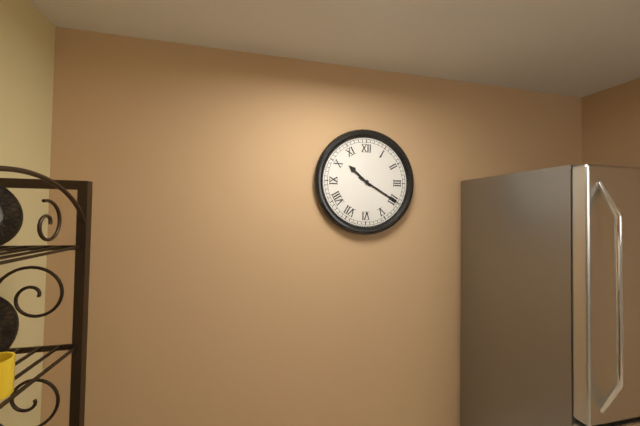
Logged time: 10,20
